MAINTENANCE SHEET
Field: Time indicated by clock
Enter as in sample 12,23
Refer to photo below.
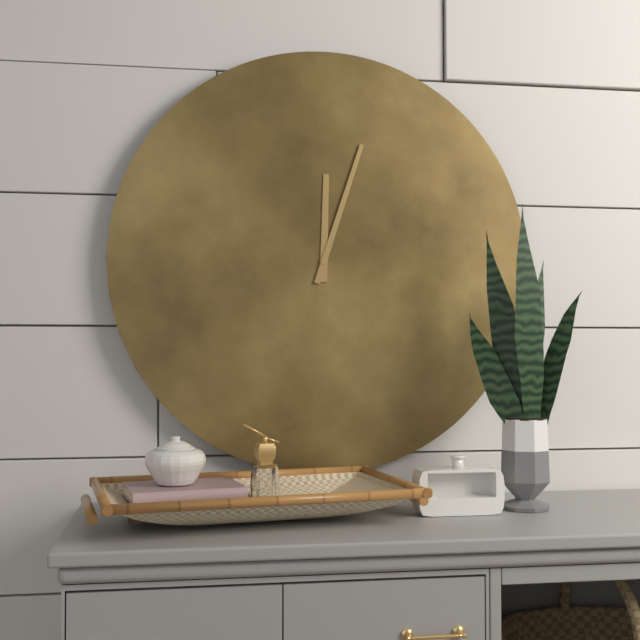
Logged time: 12,03
